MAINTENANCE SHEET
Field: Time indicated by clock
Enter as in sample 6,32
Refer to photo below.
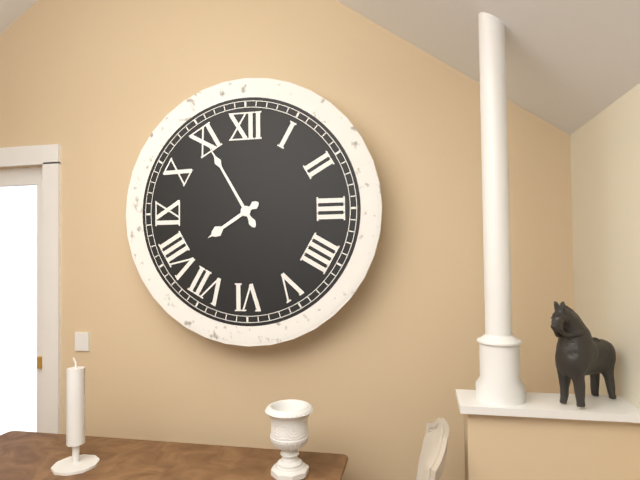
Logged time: 7,55
